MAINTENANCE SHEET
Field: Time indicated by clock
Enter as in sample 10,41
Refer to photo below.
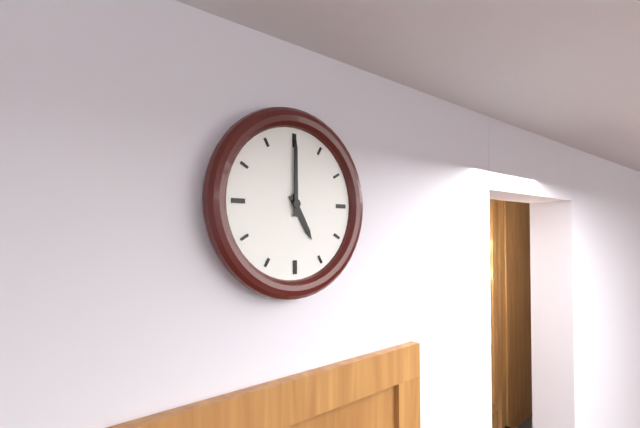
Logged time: 5,00
